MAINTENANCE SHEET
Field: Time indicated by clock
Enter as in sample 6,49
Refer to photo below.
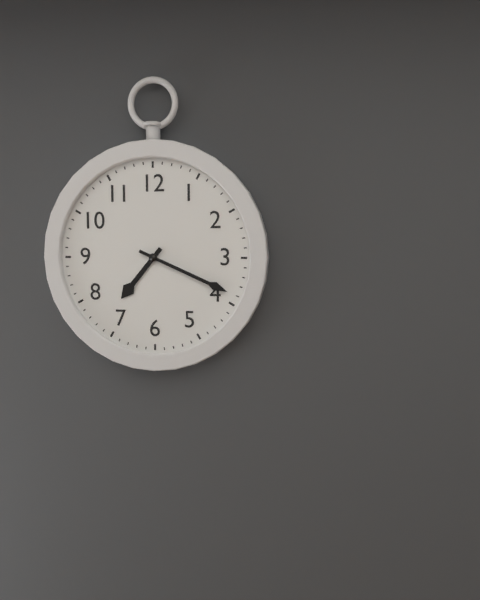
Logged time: 7,19
